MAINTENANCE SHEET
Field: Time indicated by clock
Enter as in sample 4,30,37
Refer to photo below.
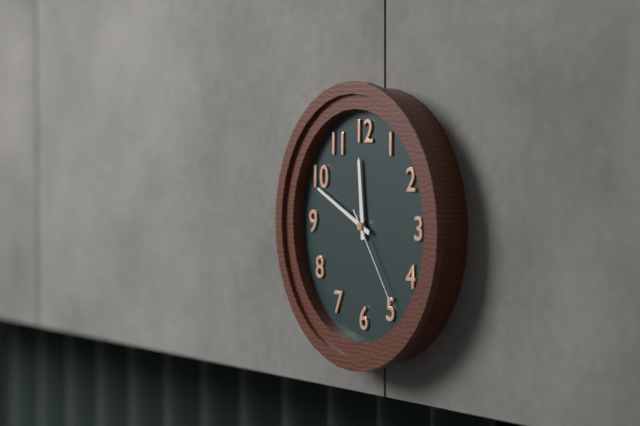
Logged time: 11,49,24
